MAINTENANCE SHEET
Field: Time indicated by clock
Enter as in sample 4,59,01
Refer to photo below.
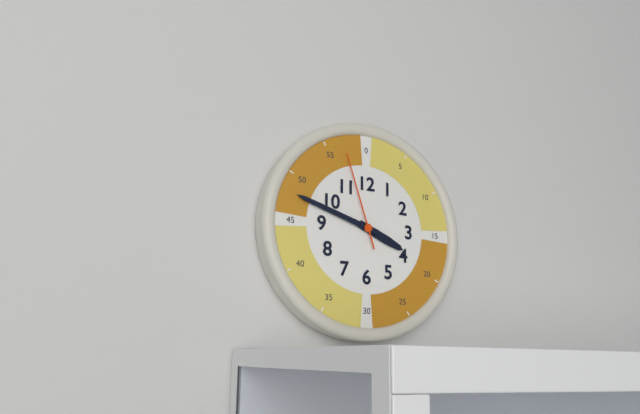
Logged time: 3,48,57
